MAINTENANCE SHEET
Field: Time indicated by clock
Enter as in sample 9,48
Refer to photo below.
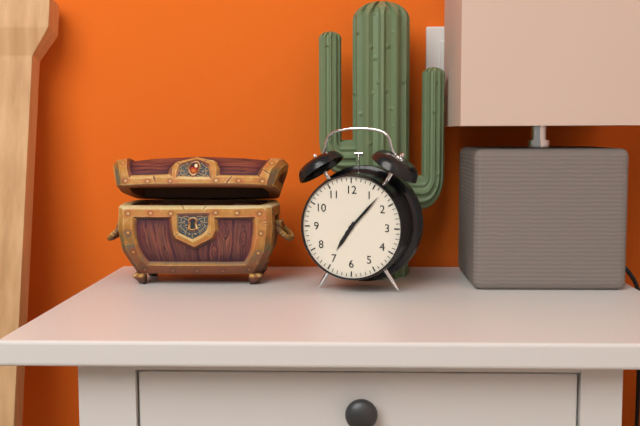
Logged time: 7,07
